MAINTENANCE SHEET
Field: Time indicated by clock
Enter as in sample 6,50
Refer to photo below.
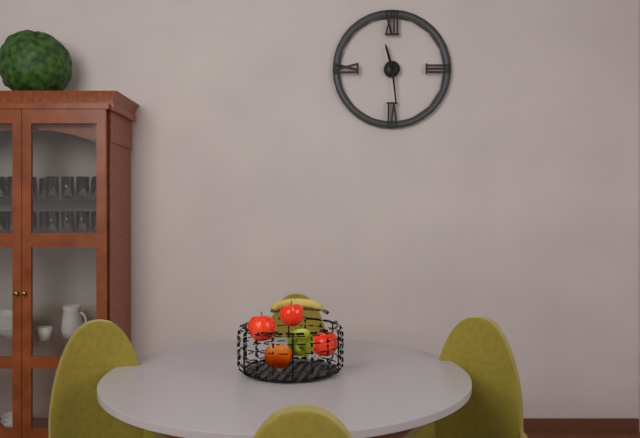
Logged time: 11,29
